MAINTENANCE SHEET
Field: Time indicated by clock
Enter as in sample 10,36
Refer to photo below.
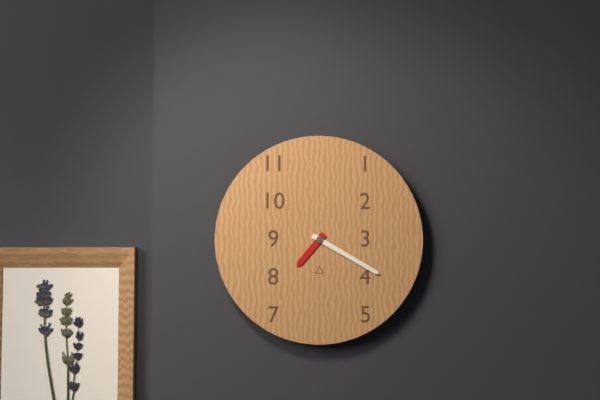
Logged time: 7,20
